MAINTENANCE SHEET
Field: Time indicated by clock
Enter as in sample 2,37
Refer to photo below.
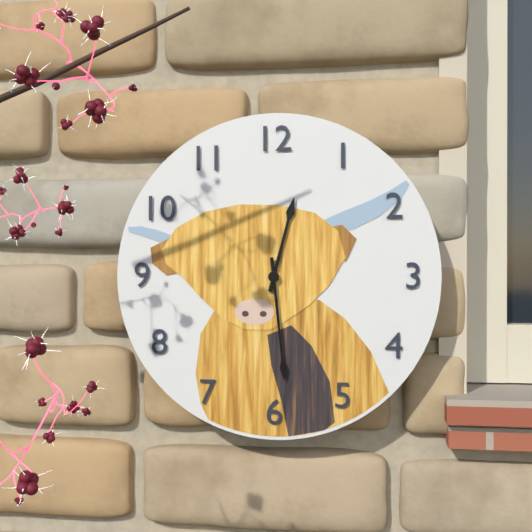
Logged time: 12,29
